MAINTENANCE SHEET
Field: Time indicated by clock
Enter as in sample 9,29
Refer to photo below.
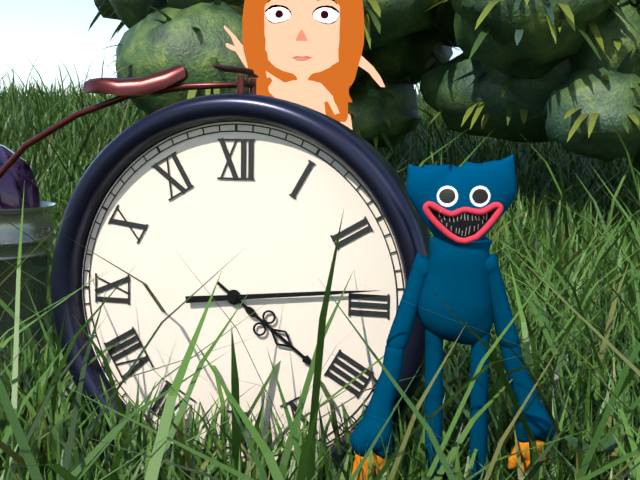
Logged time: 4,14
